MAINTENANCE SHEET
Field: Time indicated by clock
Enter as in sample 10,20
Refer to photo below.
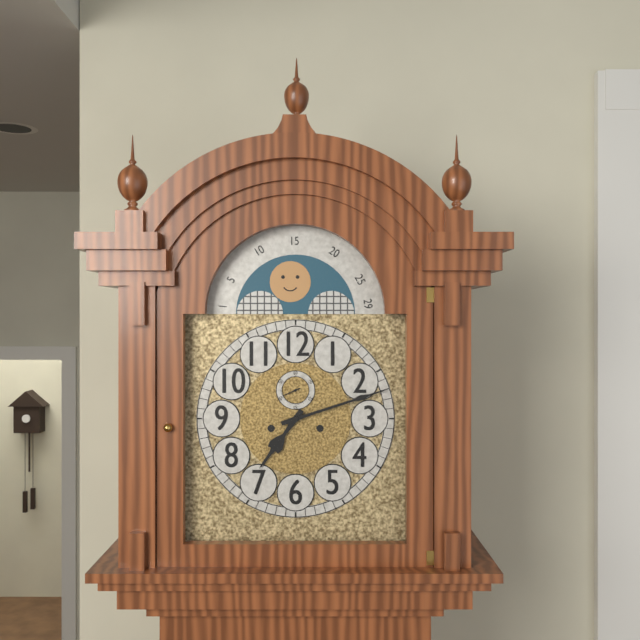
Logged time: 7,12
